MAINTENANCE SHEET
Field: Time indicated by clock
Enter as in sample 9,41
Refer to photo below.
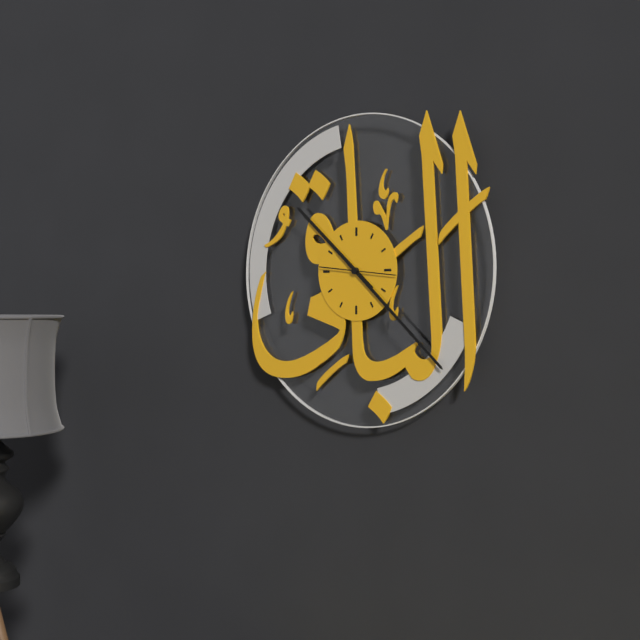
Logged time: 10,22
